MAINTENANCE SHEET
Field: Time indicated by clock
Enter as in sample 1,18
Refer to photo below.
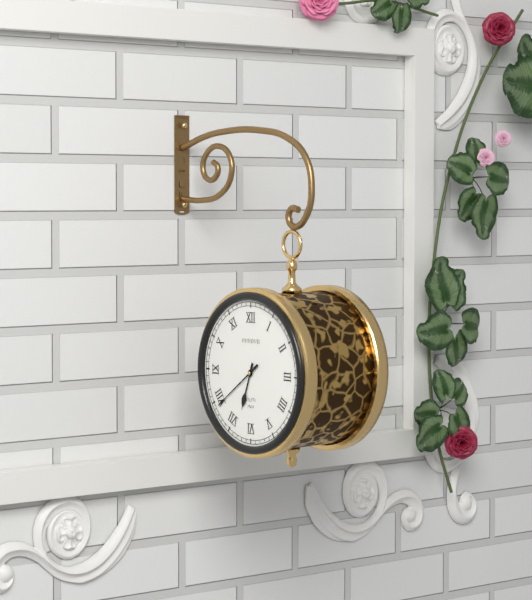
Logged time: 6,39
